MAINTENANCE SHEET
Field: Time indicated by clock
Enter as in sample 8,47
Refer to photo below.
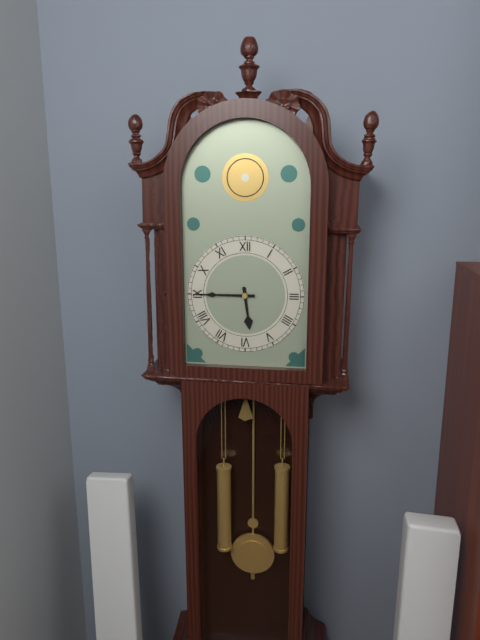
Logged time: 5,45
